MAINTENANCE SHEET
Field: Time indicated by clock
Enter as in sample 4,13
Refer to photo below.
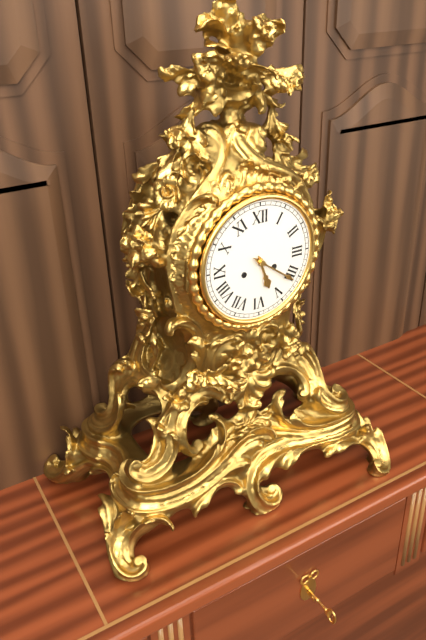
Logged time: 5,21
